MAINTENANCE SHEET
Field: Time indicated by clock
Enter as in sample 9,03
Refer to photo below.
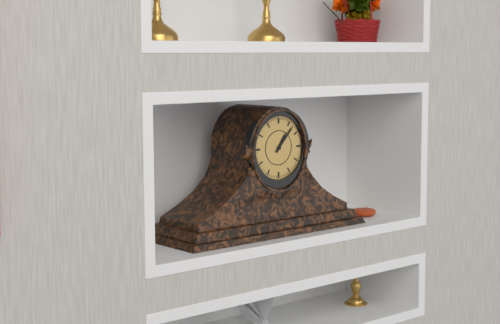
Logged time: 1,07
